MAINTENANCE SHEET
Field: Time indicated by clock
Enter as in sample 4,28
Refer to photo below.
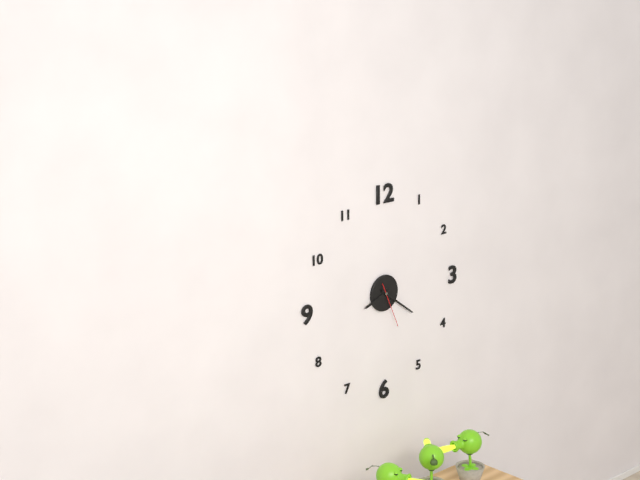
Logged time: 8,21
